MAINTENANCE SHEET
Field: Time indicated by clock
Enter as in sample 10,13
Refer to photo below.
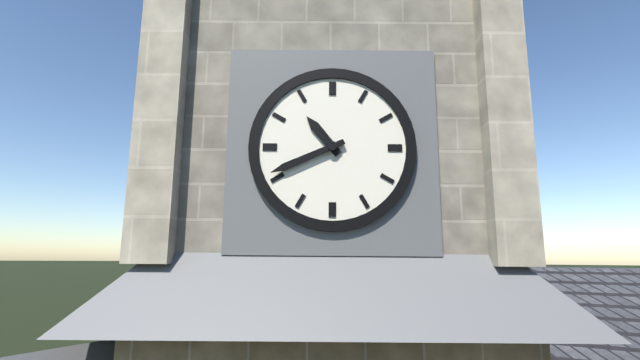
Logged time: 10,41
